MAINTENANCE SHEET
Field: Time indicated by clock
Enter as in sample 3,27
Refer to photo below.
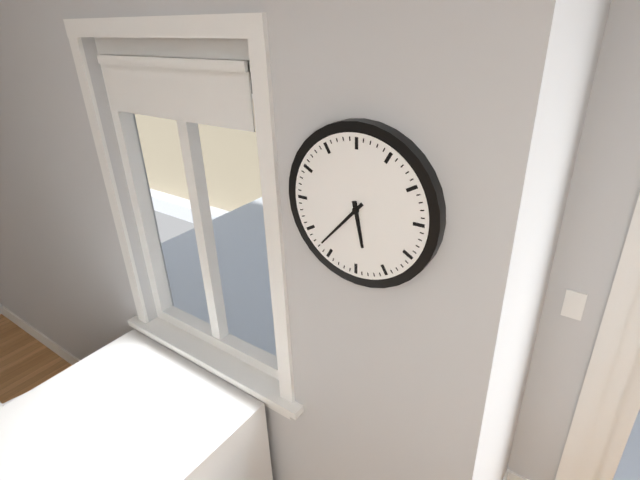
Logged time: 5,37
